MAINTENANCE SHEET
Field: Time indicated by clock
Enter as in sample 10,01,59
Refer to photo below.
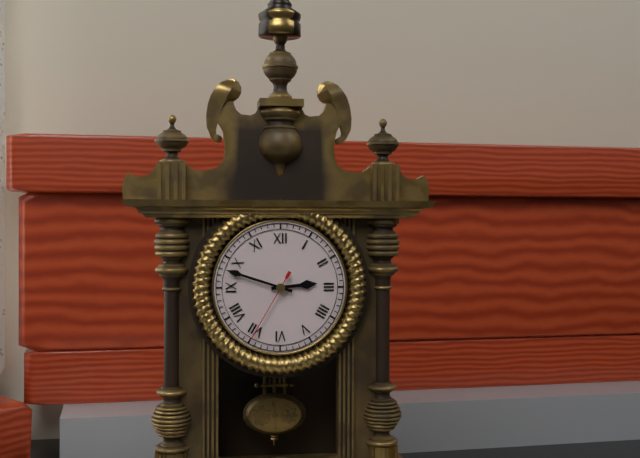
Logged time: 2,48,35
